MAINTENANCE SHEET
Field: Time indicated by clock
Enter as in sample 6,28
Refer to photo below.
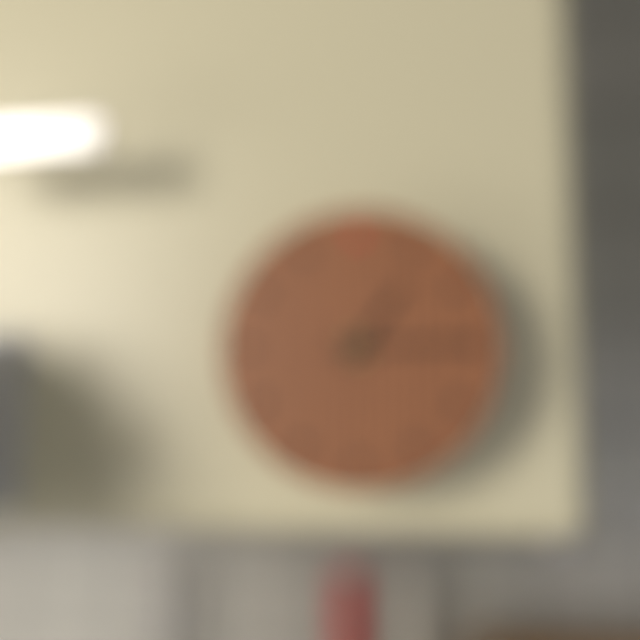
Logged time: 1,15
